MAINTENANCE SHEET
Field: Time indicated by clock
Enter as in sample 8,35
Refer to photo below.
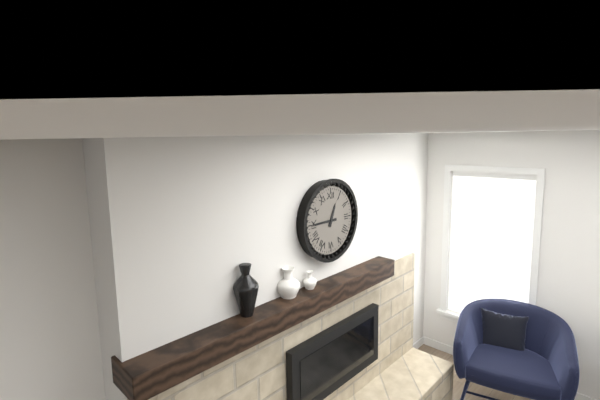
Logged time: 12,45
